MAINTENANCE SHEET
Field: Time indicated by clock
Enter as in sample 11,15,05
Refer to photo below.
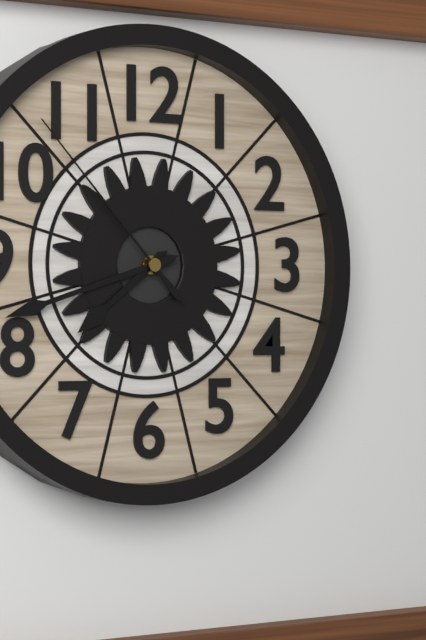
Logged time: 7,42,53
